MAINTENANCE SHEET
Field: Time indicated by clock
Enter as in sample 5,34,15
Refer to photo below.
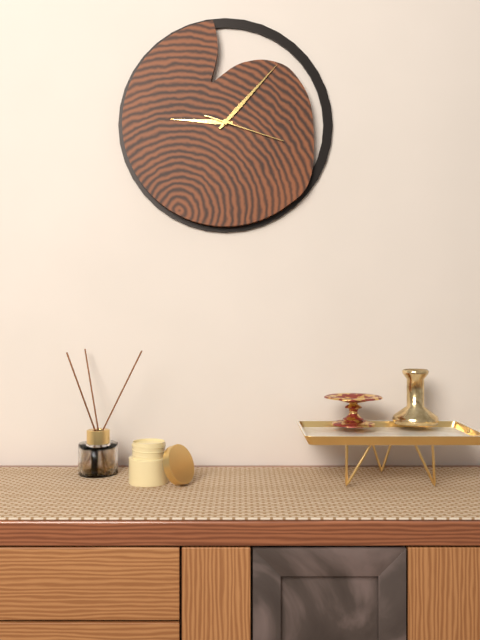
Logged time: 9,07,18
